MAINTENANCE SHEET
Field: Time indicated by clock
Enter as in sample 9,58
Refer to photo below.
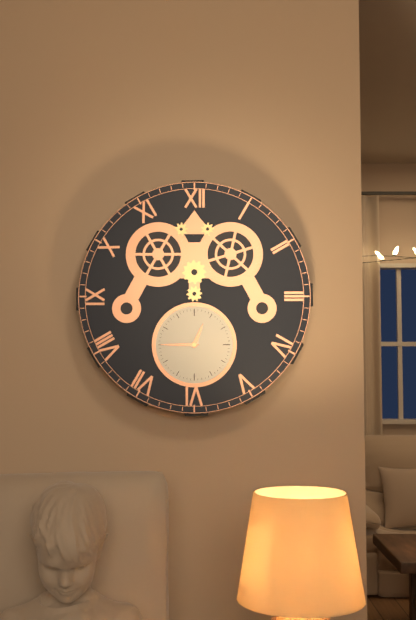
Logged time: 12,45
